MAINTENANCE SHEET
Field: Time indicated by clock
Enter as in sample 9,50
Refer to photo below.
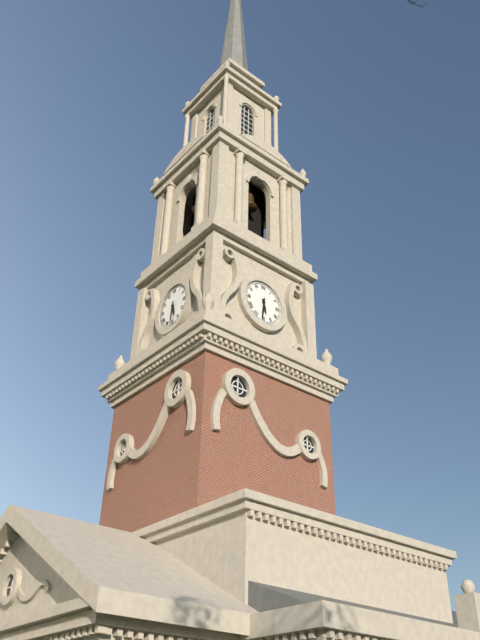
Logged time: 5,31
